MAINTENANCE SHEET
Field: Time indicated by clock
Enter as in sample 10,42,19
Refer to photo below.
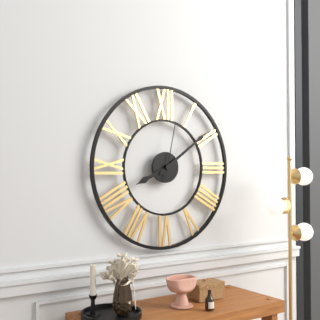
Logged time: 8,09,02
